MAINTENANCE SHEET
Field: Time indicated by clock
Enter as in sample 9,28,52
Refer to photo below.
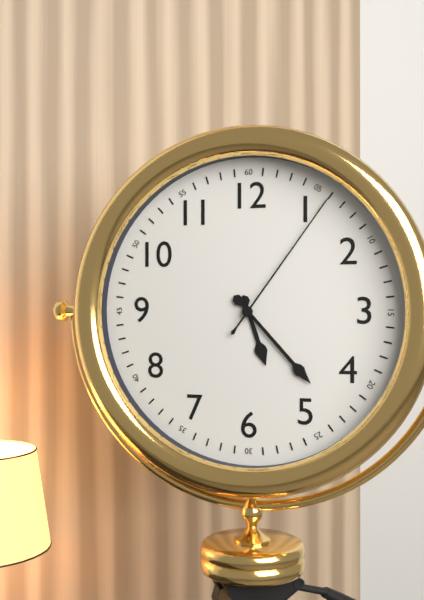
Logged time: 5,23,06
